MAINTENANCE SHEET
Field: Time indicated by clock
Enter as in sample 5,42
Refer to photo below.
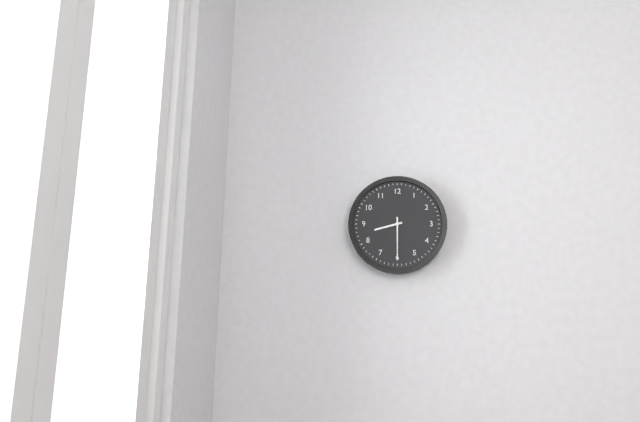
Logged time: 8,30
